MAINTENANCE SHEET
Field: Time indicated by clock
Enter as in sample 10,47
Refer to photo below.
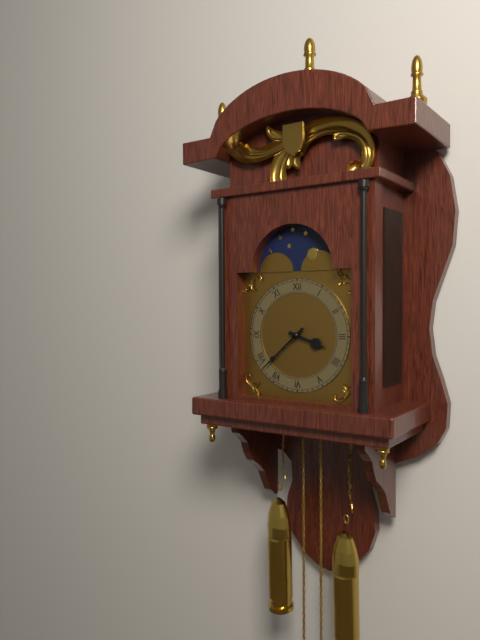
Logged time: 3,38
